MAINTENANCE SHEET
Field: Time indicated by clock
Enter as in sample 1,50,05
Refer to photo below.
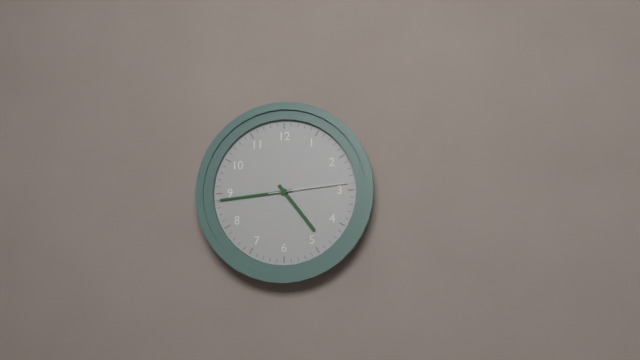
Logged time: 4,44,14
